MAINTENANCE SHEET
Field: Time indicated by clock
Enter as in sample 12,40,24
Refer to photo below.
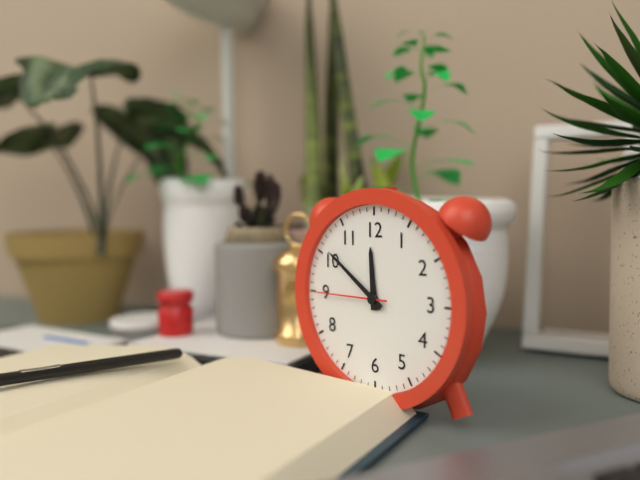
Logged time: 11,51,45
